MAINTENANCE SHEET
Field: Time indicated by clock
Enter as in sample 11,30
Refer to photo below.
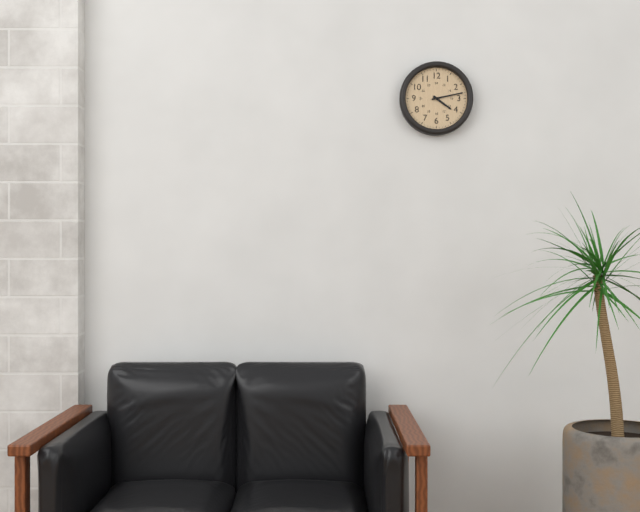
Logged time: 4,13
